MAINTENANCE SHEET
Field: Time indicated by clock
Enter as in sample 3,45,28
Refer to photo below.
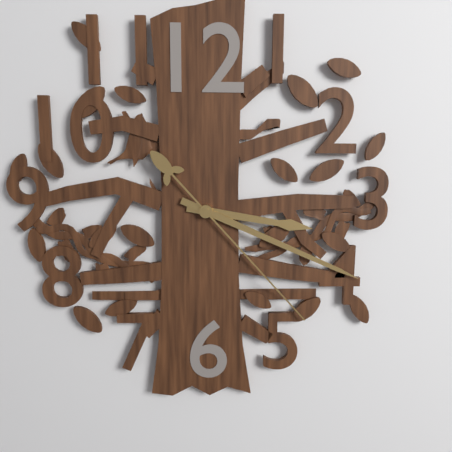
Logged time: 3,19,23
